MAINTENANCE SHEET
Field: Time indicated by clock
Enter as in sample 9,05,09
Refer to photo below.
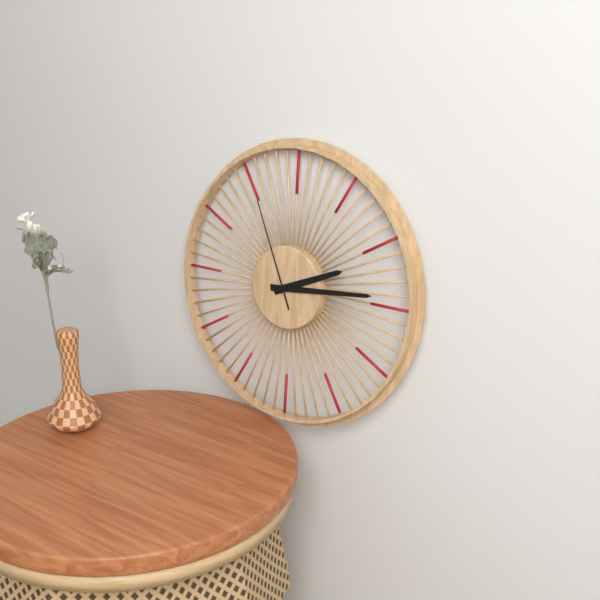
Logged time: 2,14,56
